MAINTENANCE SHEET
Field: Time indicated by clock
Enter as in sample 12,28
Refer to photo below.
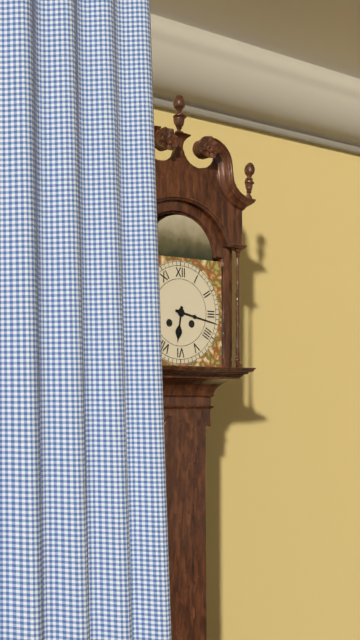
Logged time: 6,17
